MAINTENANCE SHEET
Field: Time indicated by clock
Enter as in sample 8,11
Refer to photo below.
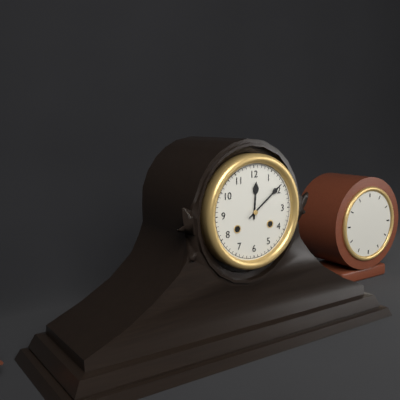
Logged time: 12,09
